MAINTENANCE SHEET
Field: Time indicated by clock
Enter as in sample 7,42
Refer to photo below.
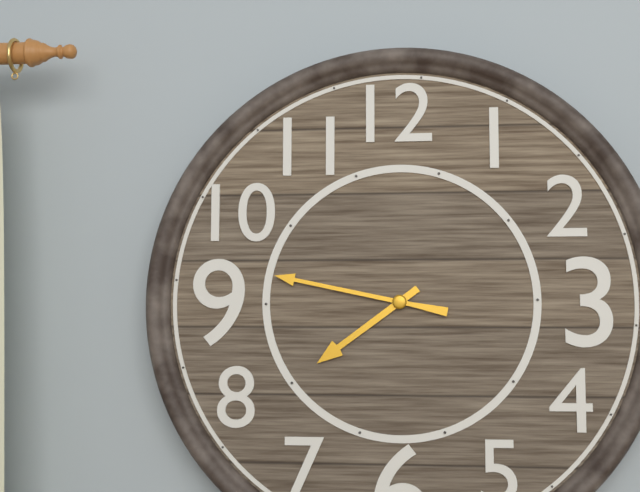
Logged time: 7,47
